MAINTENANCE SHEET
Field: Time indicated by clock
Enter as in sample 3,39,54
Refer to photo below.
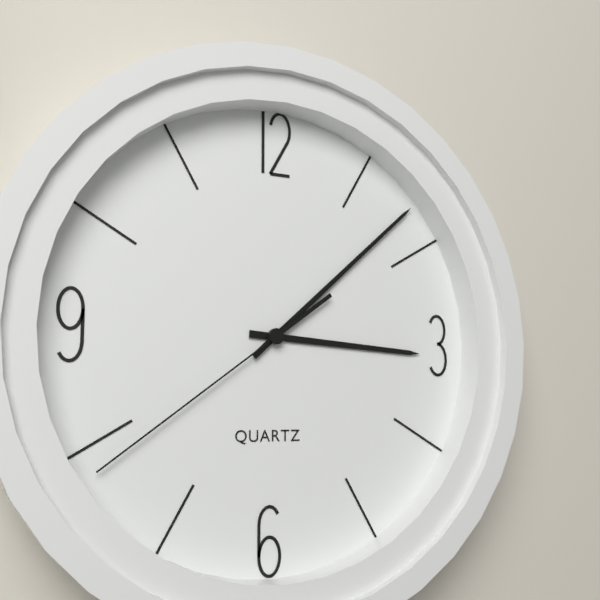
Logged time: 3,08,39
